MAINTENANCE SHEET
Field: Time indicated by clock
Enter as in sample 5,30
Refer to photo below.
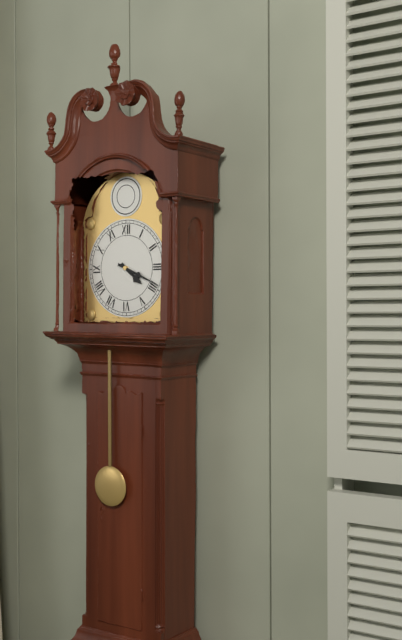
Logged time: 4,19
